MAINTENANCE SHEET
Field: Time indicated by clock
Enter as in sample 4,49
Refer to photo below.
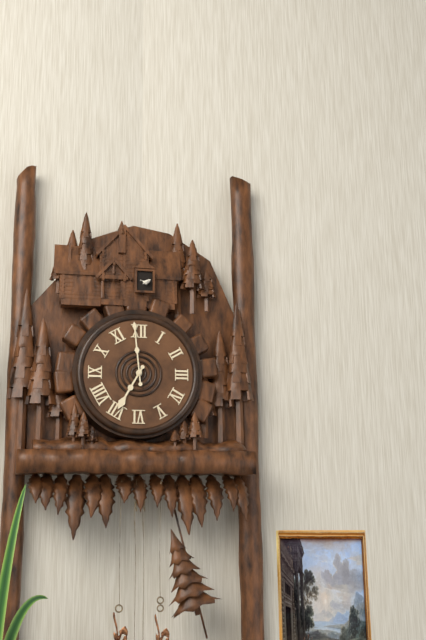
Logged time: 6,59
